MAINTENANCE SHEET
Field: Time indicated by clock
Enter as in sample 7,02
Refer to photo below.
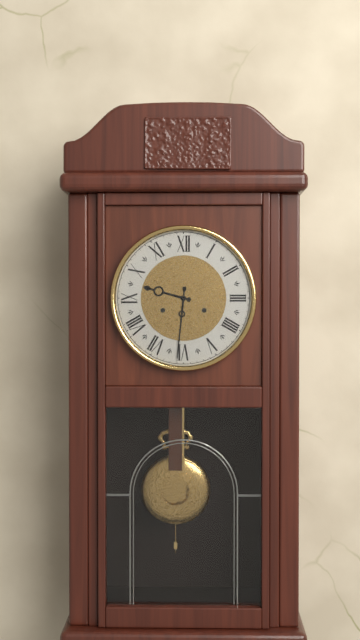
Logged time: 9,31
